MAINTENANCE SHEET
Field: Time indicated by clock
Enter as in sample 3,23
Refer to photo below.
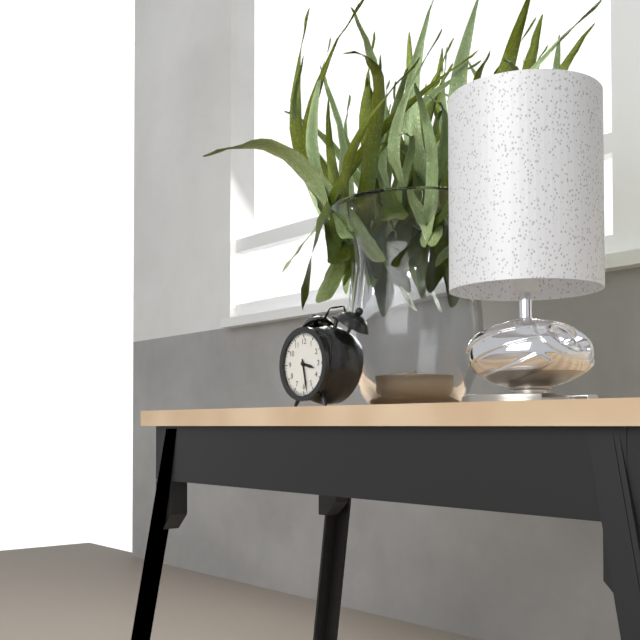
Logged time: 3,28
